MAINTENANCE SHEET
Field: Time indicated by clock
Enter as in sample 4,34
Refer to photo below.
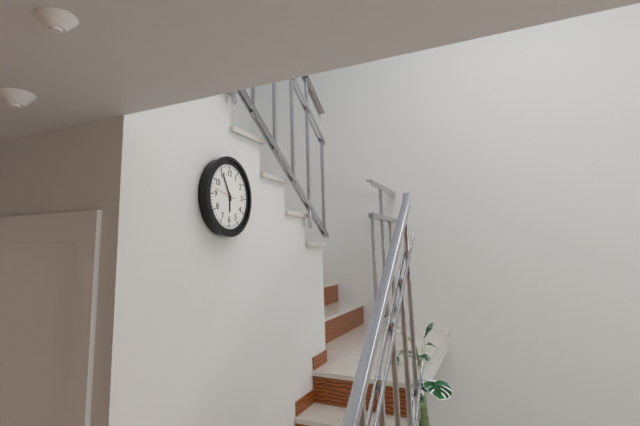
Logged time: 5,55
